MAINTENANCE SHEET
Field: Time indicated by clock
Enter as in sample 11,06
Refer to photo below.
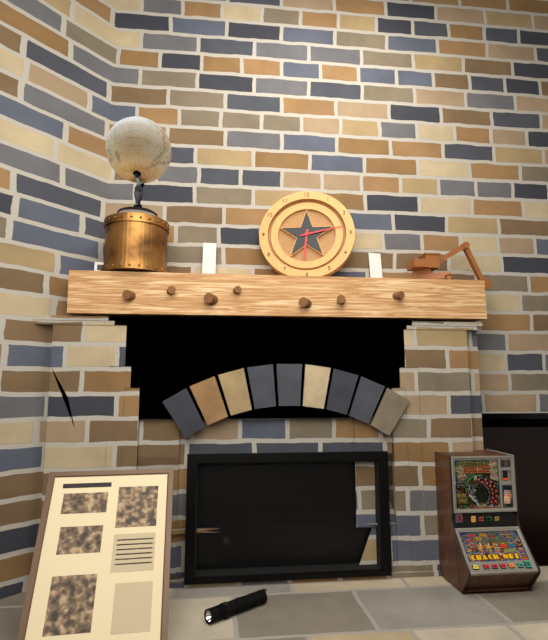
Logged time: 6,13
